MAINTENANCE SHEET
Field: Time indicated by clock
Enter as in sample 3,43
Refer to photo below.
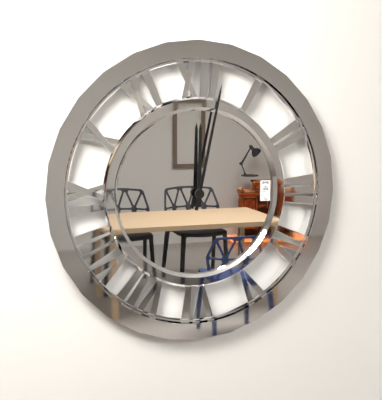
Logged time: 12,02
